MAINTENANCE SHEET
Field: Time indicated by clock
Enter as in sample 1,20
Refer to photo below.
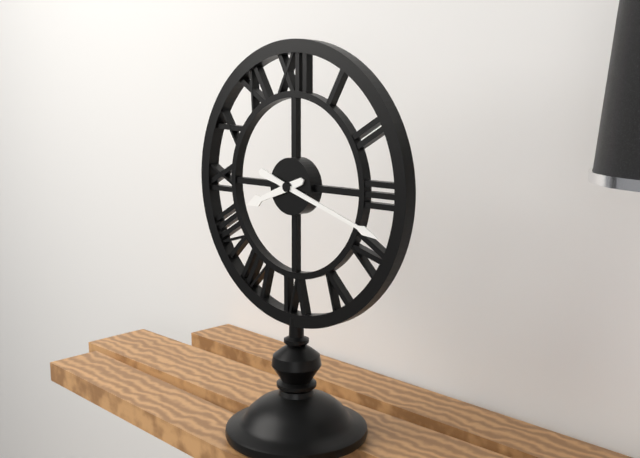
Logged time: 8,18
